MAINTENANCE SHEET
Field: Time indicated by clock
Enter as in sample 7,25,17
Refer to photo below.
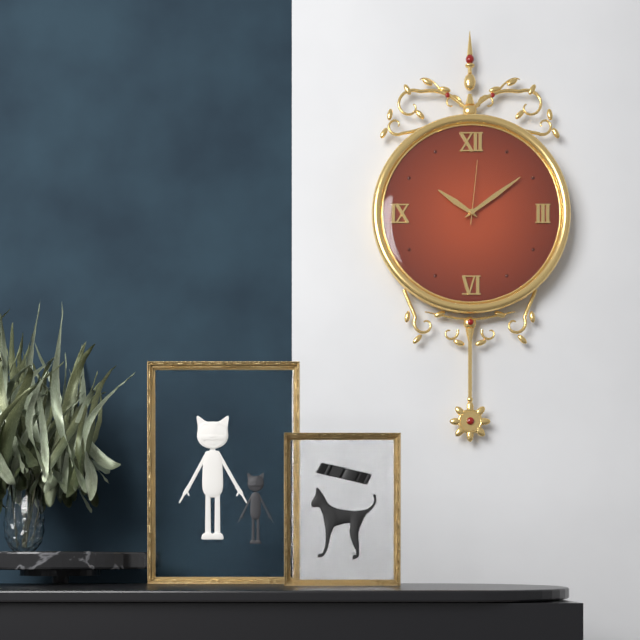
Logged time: 10,09,01
